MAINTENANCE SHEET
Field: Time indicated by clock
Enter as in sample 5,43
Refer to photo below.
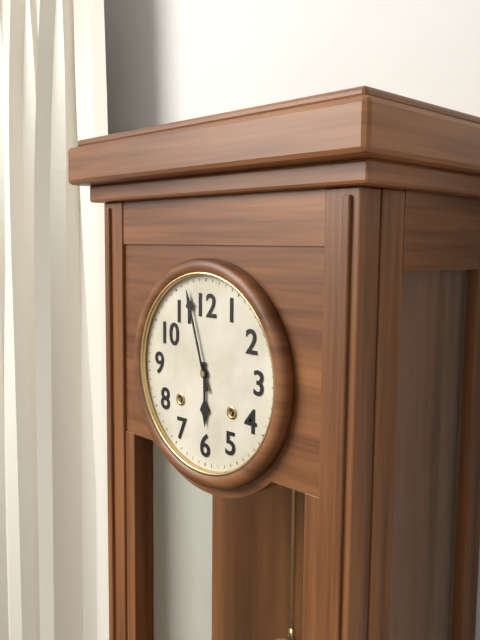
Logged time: 5,57
